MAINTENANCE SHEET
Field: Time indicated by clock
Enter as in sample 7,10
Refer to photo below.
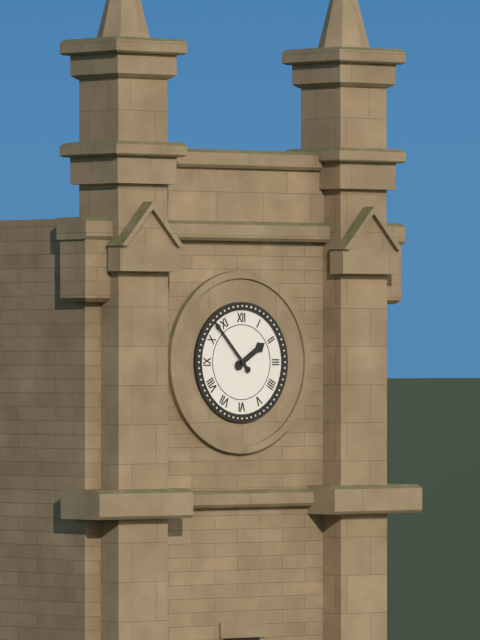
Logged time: 1,53
